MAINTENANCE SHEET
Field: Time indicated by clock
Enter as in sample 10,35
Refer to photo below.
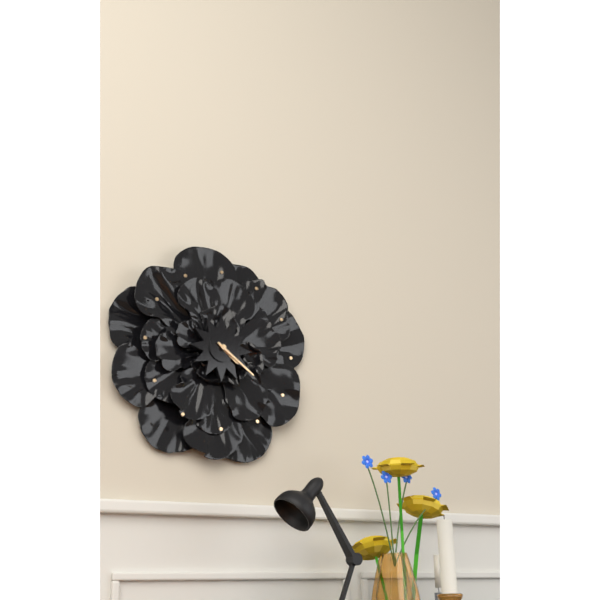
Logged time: 4,21
